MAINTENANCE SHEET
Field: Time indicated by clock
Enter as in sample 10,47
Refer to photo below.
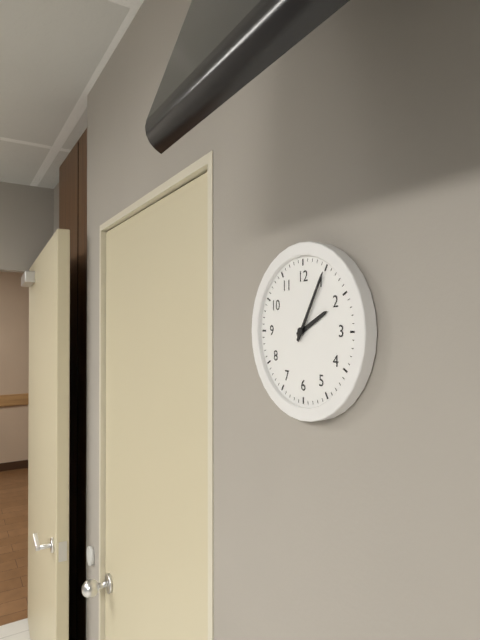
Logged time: 2,05
